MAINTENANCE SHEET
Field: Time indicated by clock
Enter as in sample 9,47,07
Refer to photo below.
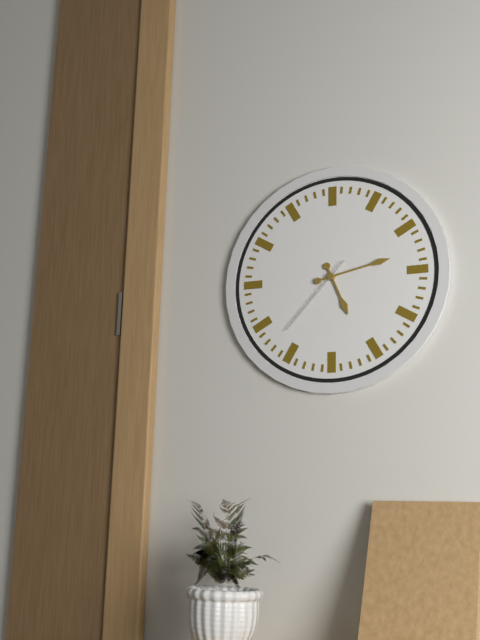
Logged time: 5,13,37
